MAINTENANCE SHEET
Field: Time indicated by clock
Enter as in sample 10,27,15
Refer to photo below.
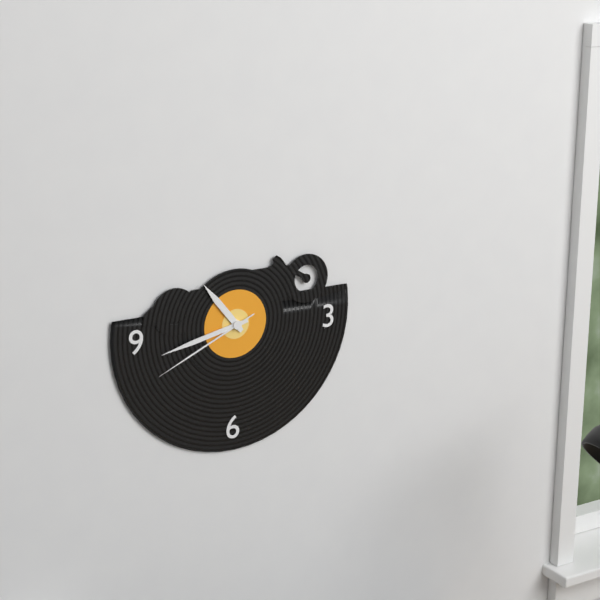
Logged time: 10,43,41
